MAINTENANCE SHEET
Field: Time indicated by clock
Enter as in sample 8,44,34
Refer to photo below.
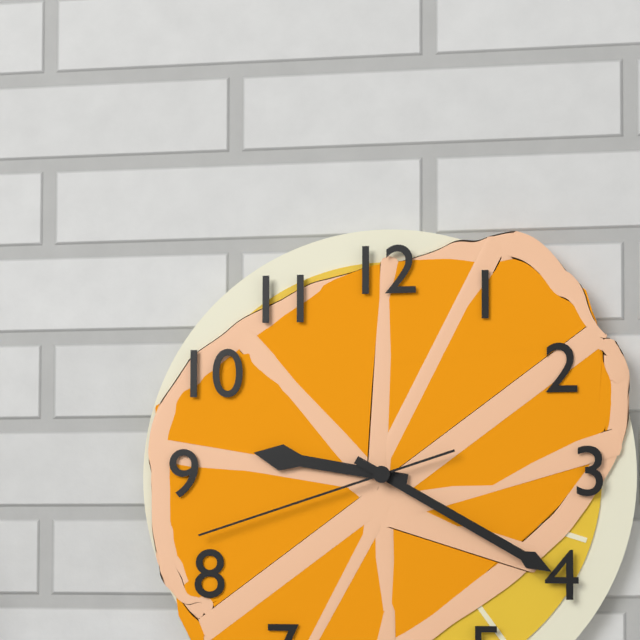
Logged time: 9,20,42
